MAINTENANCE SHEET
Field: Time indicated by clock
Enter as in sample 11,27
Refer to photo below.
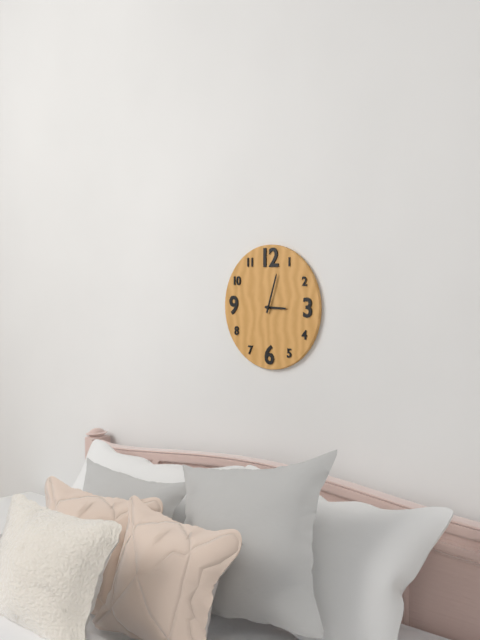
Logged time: 3,03
